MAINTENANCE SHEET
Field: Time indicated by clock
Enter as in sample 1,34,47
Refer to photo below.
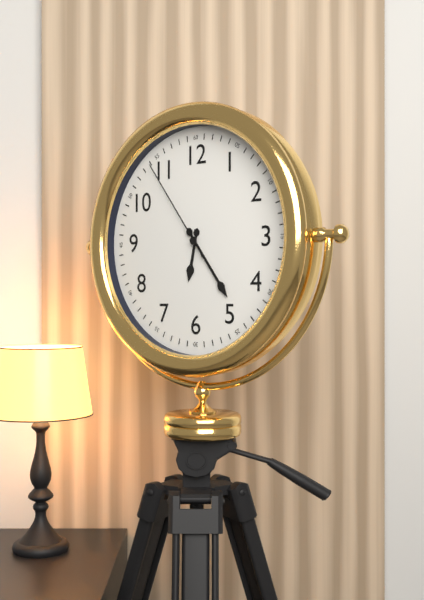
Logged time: 6,24,54
